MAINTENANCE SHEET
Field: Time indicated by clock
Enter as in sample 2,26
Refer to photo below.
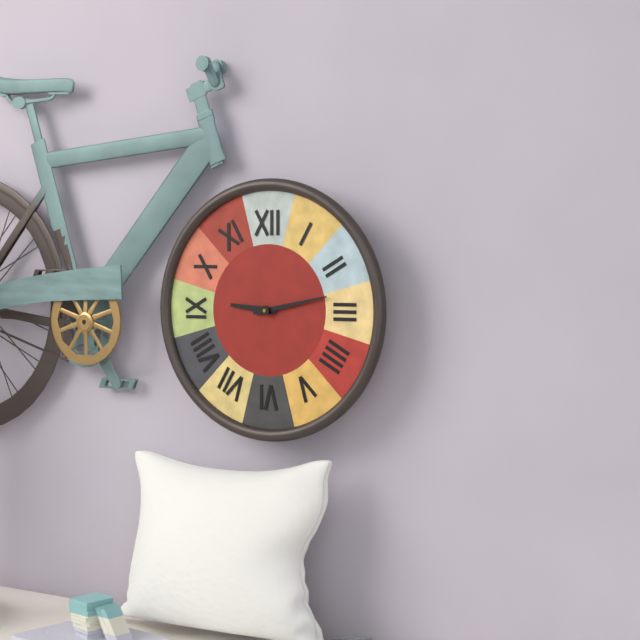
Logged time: 9,13
